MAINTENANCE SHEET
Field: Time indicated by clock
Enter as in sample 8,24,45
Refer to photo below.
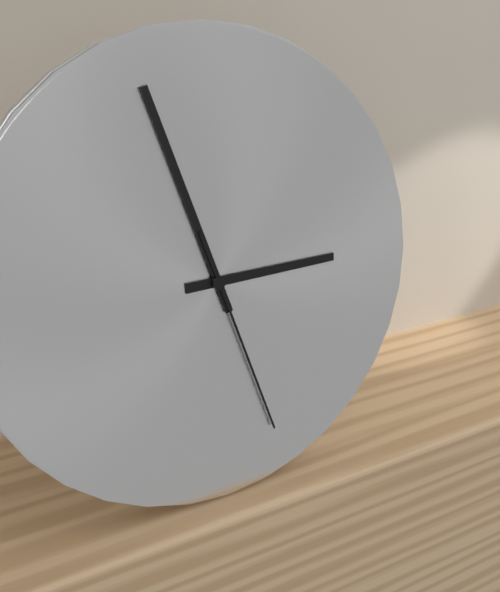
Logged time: 2,57,27
